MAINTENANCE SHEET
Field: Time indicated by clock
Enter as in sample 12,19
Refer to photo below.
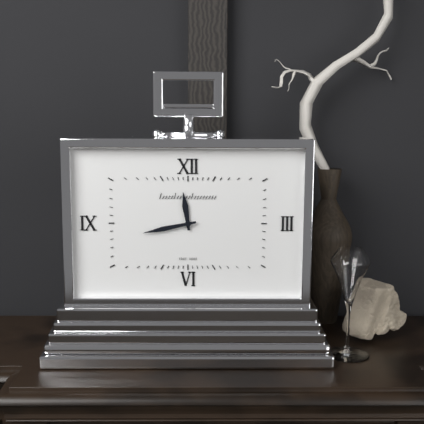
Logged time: 11,43
